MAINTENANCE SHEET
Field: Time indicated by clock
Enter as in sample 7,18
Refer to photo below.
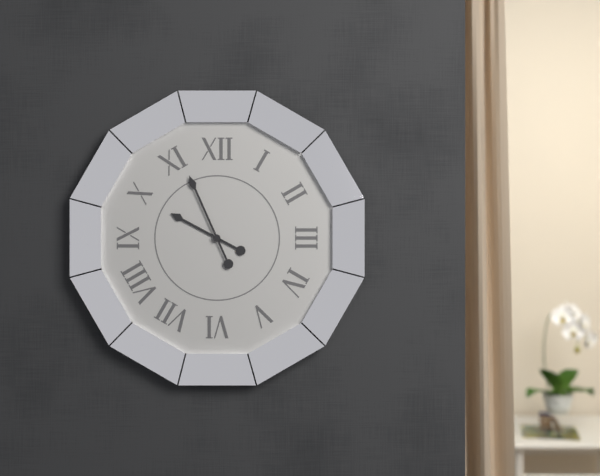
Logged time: 9,56
